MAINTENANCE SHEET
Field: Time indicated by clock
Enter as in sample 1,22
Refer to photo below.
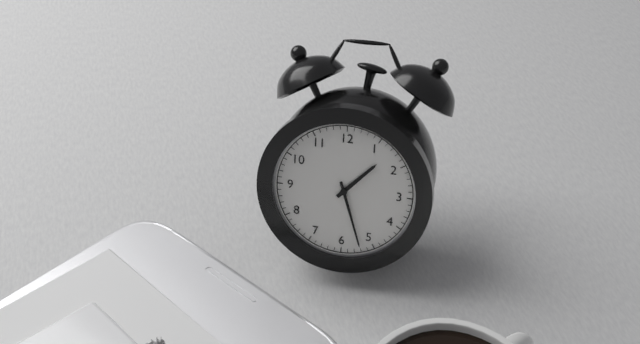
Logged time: 1,27
